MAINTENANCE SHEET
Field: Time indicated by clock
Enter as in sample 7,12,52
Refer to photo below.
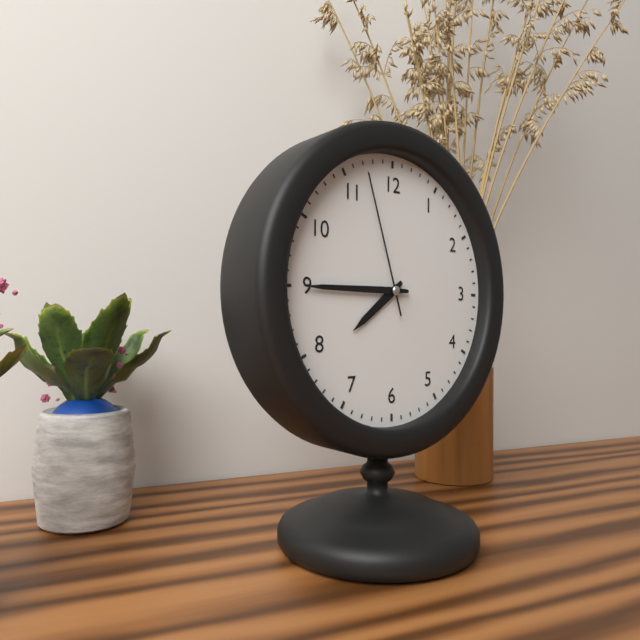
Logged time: 7,45,57
